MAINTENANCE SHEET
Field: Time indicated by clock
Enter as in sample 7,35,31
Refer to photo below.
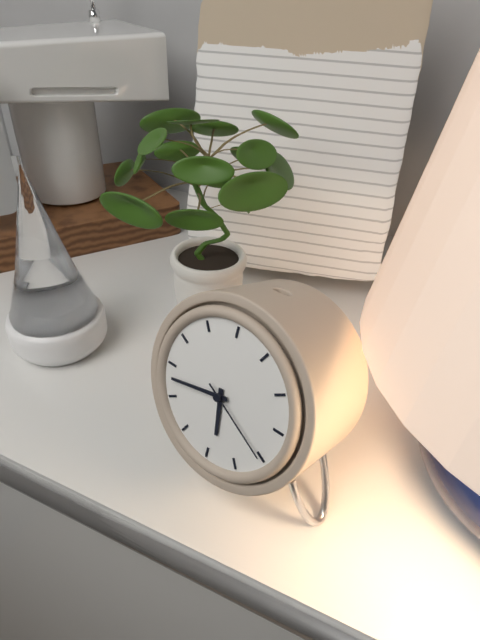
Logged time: 5,43,20
